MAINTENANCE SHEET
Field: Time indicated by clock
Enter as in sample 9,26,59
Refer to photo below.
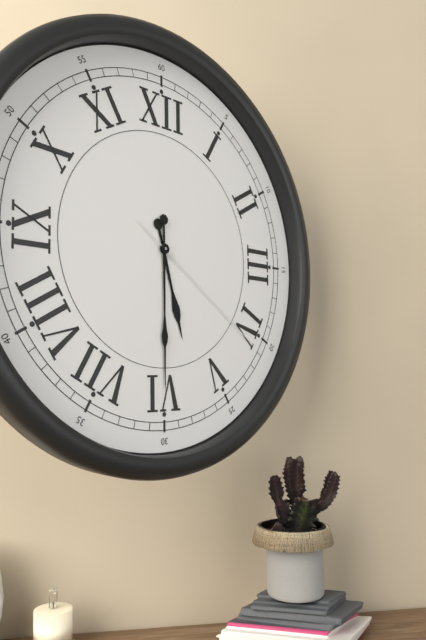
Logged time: 5,30,21
